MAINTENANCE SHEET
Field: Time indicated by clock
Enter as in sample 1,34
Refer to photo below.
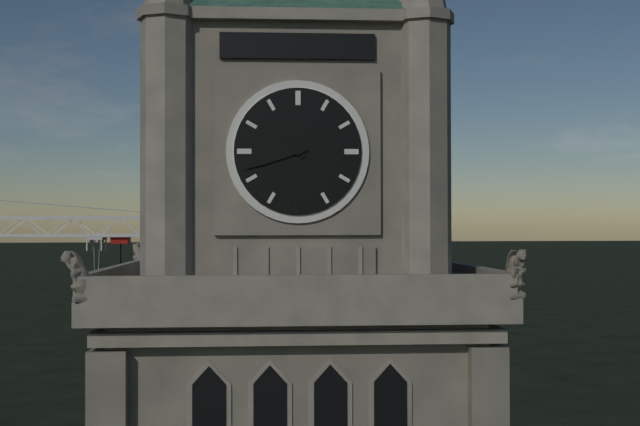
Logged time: 10,42
